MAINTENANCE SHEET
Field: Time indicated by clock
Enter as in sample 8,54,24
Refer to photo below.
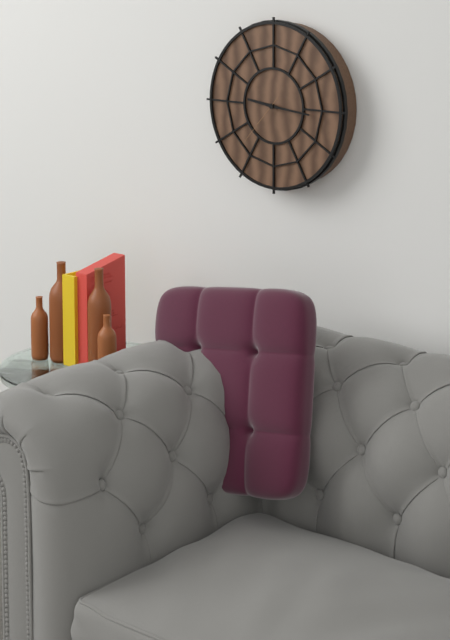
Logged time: 9,16,37
